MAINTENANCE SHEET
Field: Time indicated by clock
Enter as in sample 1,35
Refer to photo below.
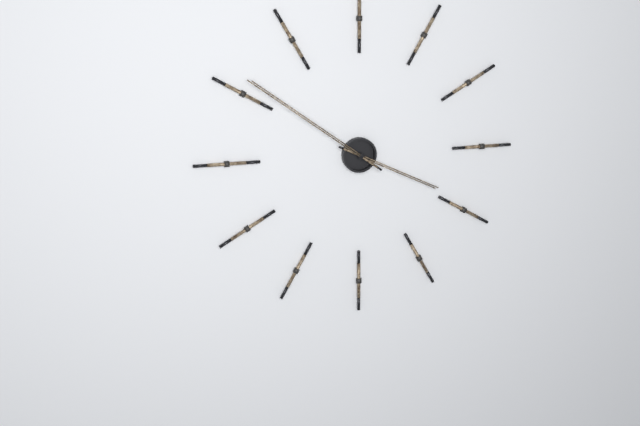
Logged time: 3,51
